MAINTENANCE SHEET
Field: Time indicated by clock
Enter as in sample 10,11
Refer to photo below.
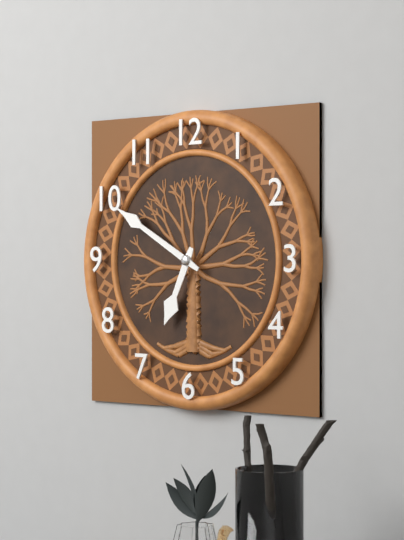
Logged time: 6,50
